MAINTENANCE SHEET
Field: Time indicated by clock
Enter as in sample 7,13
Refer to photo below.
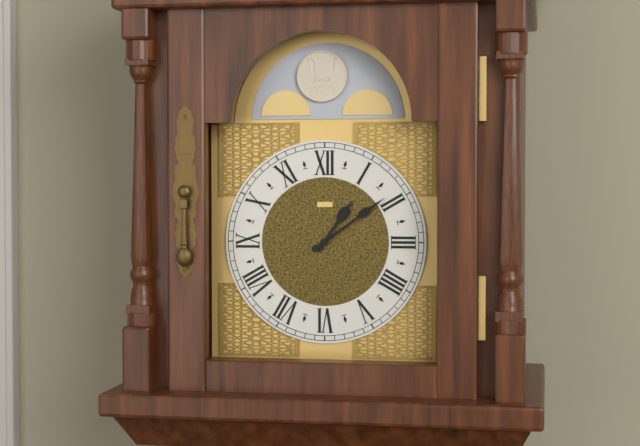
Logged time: 1,09
